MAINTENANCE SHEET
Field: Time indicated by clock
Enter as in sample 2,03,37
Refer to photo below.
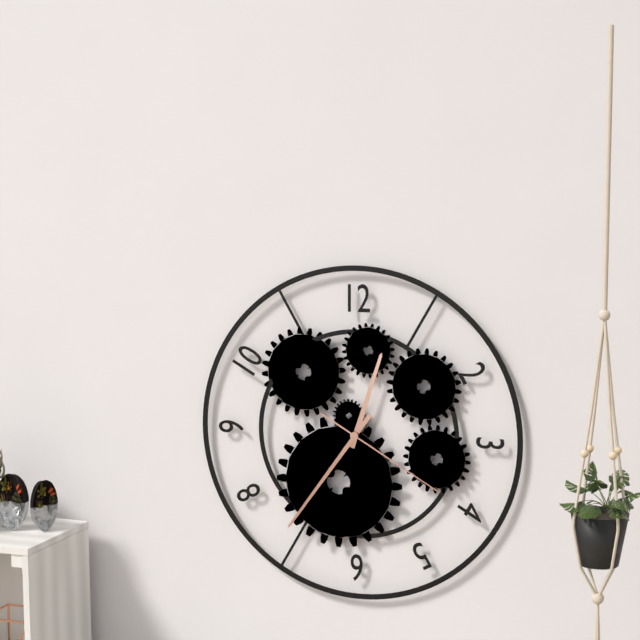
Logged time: 12,36,20
